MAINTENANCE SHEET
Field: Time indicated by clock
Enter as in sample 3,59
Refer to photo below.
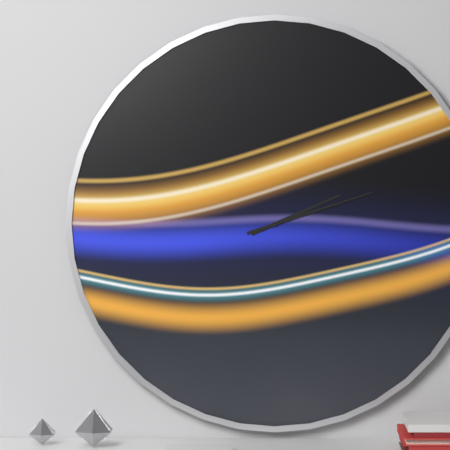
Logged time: 2,12
